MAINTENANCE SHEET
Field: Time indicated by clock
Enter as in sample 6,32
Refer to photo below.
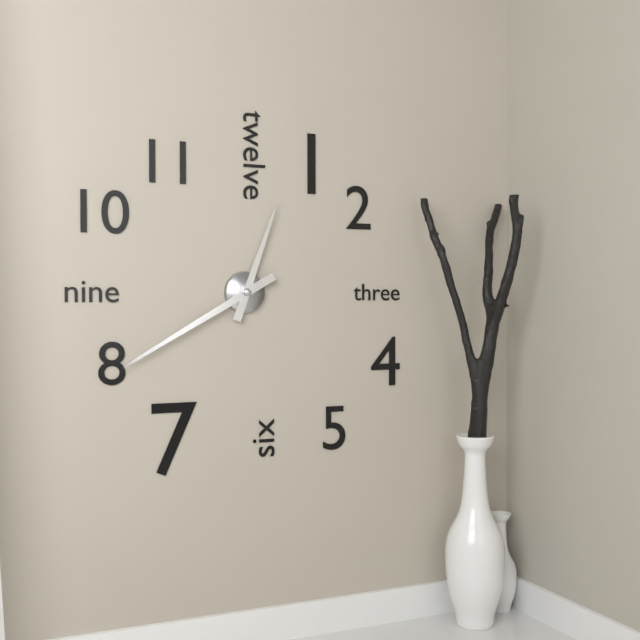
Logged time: 12,40
